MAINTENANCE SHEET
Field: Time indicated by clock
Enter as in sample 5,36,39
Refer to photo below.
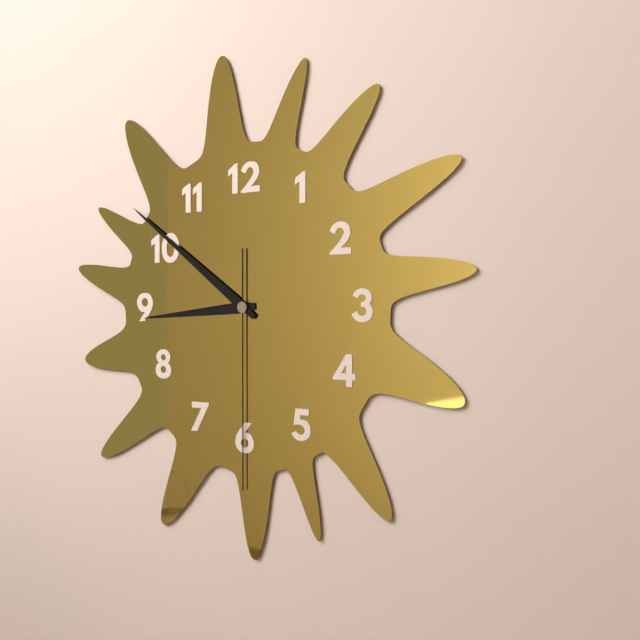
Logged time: 8,51,30
